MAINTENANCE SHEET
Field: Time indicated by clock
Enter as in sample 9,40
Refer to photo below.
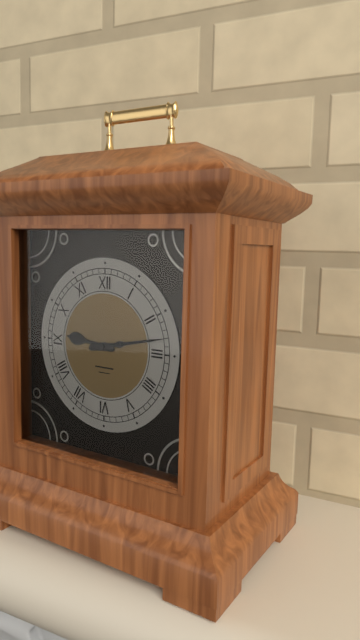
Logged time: 9,13
